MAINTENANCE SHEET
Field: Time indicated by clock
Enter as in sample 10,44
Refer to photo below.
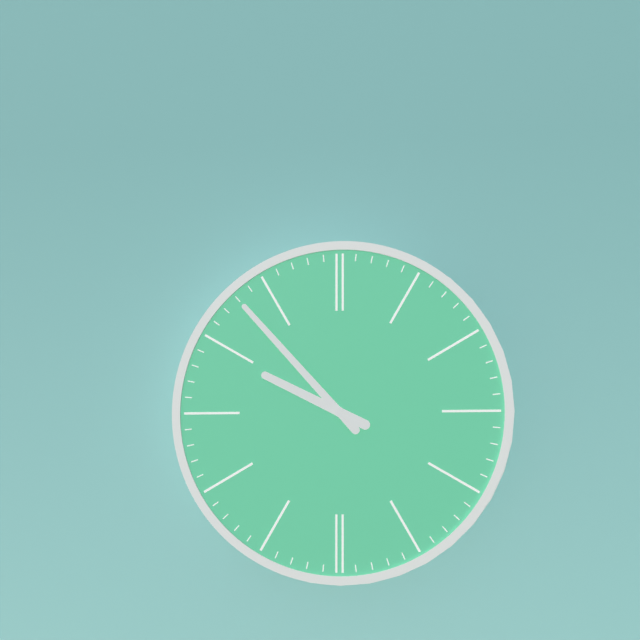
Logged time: 9,53
